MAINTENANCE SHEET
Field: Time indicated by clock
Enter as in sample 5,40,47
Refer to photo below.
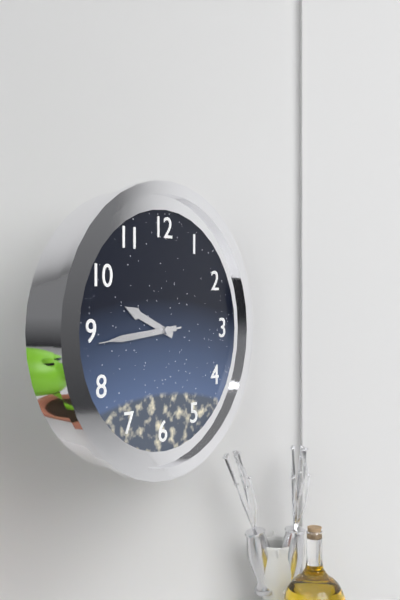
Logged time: 9,44,44
